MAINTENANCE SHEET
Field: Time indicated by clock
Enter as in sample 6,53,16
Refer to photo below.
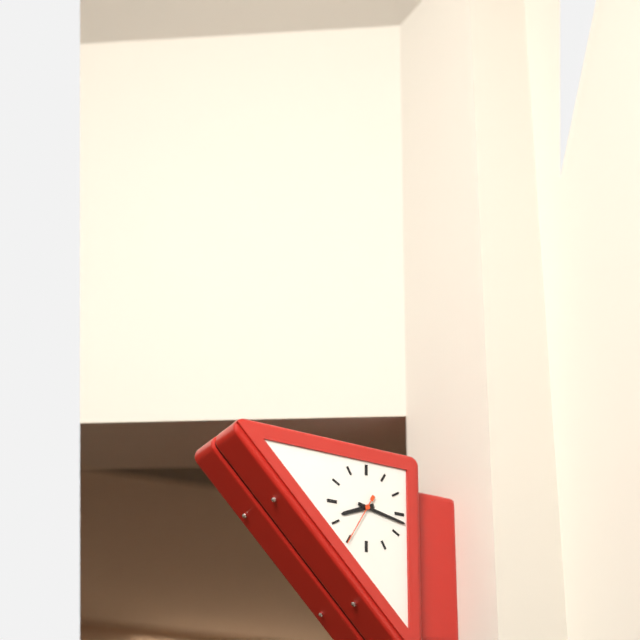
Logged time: 8,17,35
